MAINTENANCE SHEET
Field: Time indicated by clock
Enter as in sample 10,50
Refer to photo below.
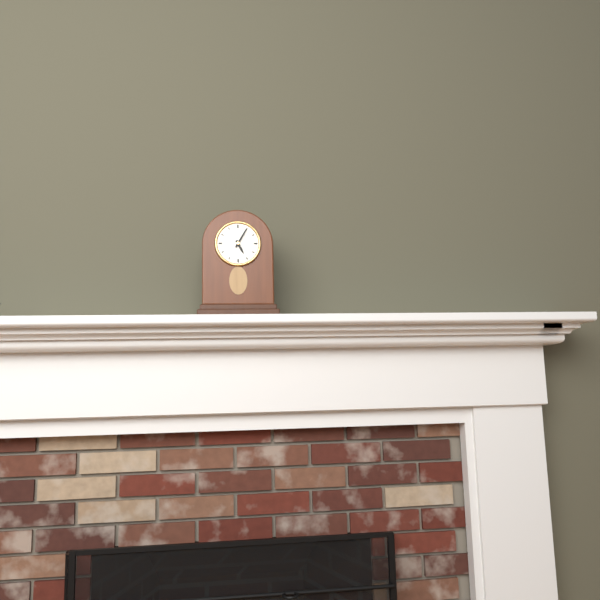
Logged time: 5,05
